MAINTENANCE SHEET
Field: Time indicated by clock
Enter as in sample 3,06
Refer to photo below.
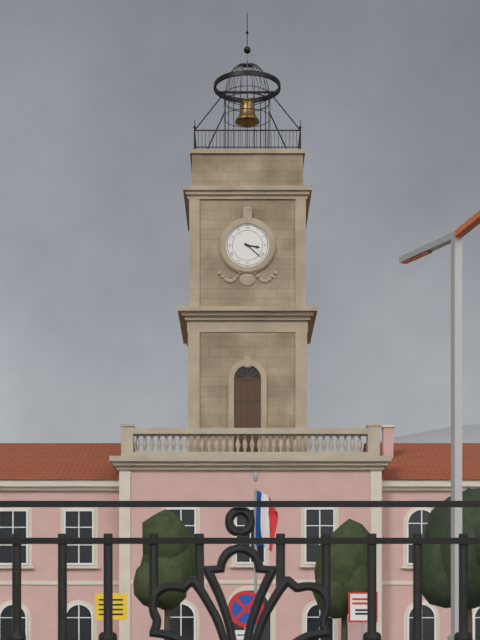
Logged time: 3,22
